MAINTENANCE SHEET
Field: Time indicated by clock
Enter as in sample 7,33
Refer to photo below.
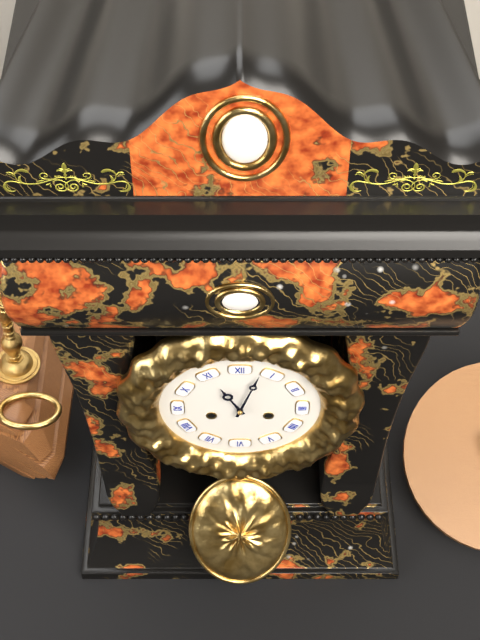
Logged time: 11,03
